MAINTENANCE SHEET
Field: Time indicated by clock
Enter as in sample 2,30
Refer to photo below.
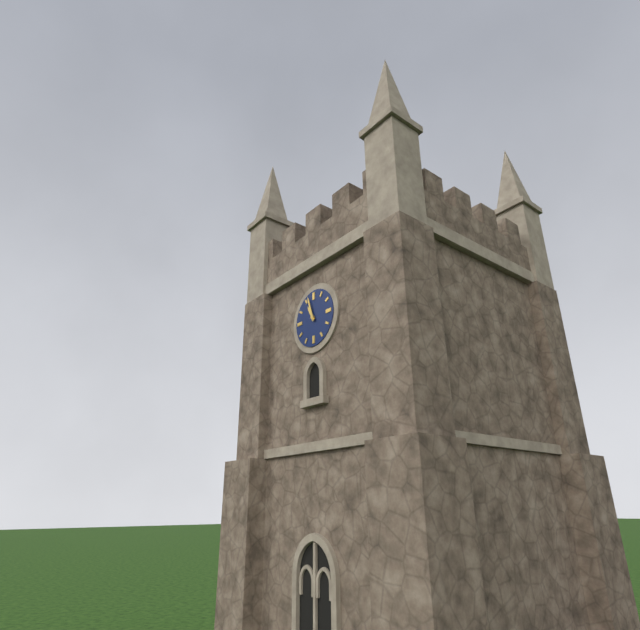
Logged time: 10,57
